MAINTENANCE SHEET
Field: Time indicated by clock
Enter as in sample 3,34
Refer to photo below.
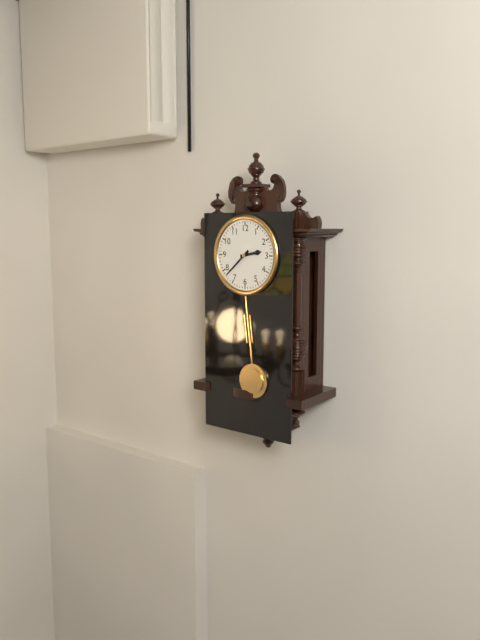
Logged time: 2,38
